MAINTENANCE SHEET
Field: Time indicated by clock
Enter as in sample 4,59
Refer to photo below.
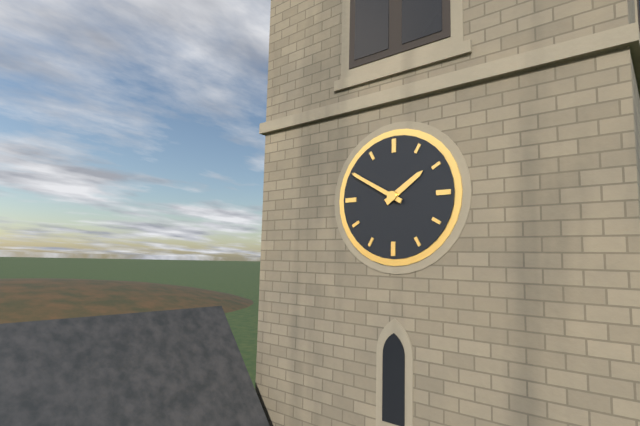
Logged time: 1,50
